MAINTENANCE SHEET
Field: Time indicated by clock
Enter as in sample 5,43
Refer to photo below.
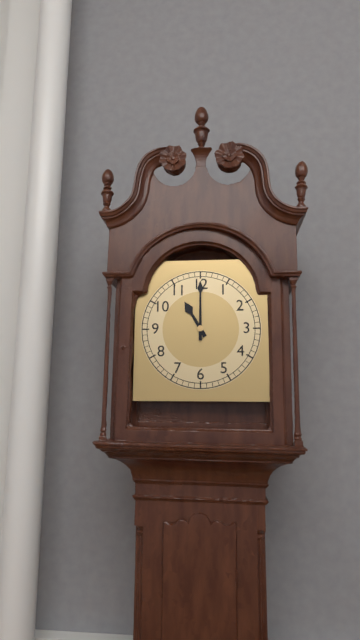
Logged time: 11,00
